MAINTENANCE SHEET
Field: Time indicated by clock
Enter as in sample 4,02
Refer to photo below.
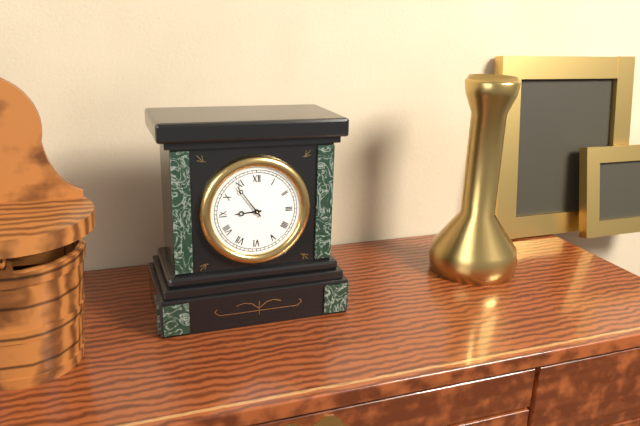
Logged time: 8,54
